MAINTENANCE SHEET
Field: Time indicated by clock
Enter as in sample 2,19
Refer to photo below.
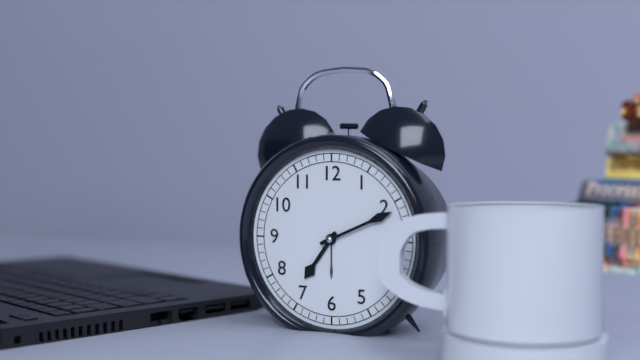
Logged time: 7,11
